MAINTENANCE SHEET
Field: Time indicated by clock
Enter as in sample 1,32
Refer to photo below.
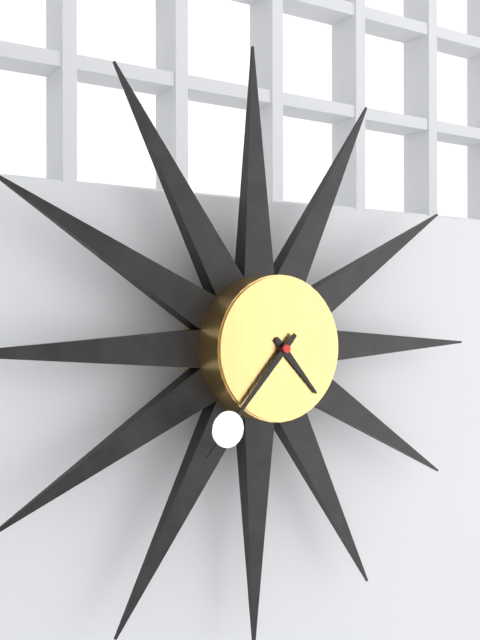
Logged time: 4,37
